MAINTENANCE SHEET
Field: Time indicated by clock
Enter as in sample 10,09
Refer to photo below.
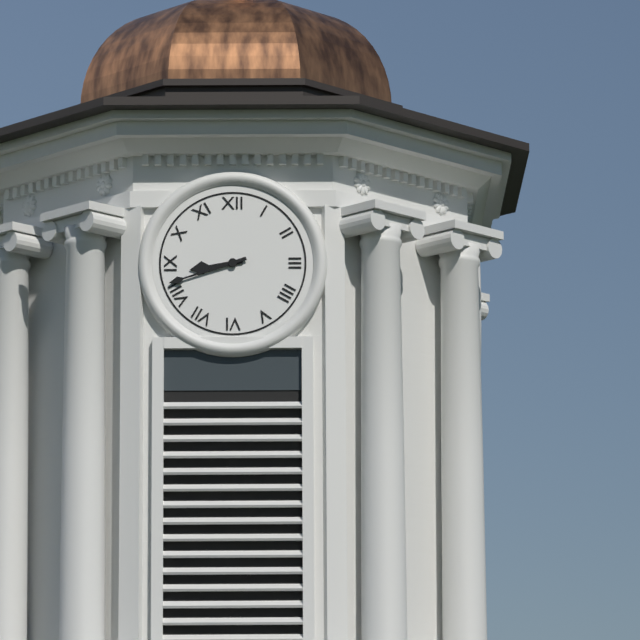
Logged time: 8,42
